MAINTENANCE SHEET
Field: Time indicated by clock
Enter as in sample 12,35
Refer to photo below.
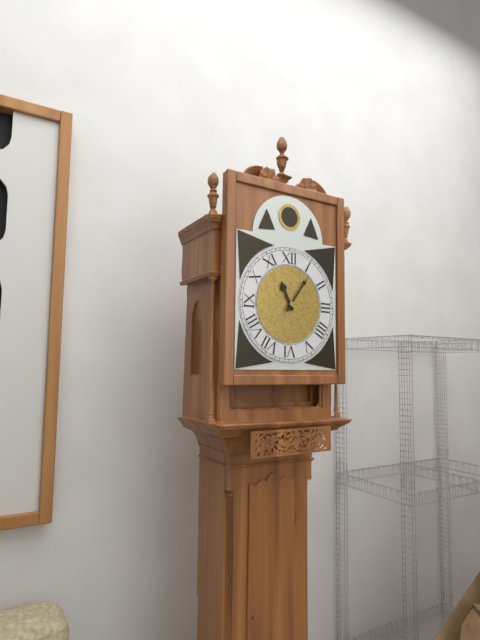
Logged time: 11,06
